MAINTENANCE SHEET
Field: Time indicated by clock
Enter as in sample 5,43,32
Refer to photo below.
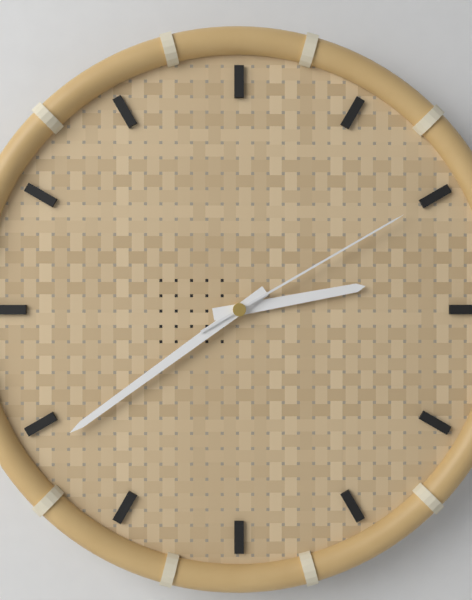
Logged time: 2,39,10
